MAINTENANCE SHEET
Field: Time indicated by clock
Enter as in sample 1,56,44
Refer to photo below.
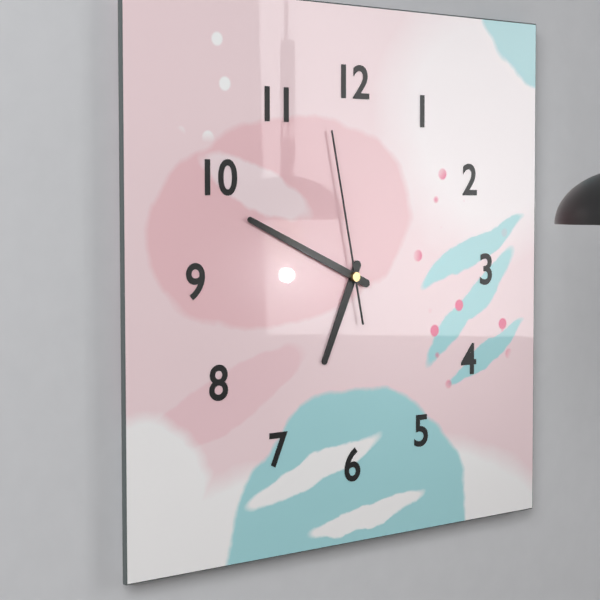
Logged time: 6,49,58
